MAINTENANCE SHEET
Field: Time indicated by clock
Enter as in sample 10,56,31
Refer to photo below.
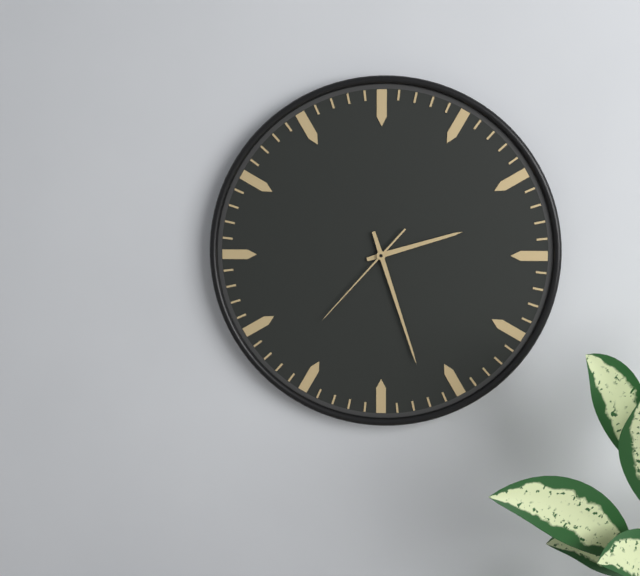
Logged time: 2,27,37
